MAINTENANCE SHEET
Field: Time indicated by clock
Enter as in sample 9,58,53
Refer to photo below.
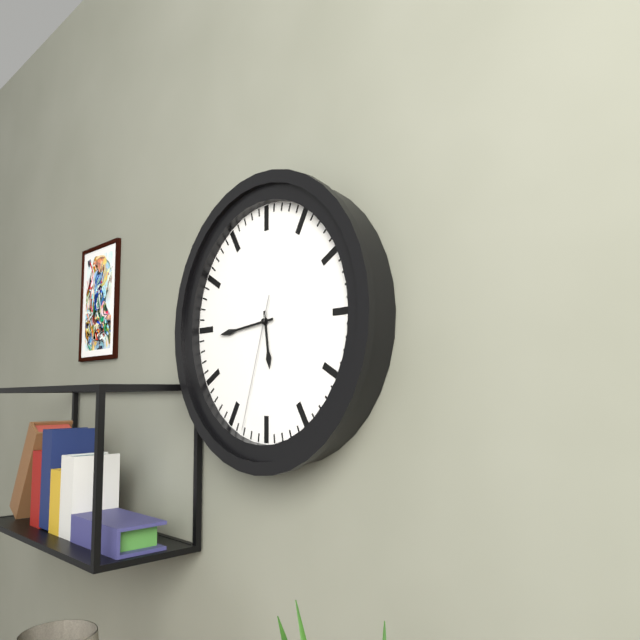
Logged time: 5,44,33
